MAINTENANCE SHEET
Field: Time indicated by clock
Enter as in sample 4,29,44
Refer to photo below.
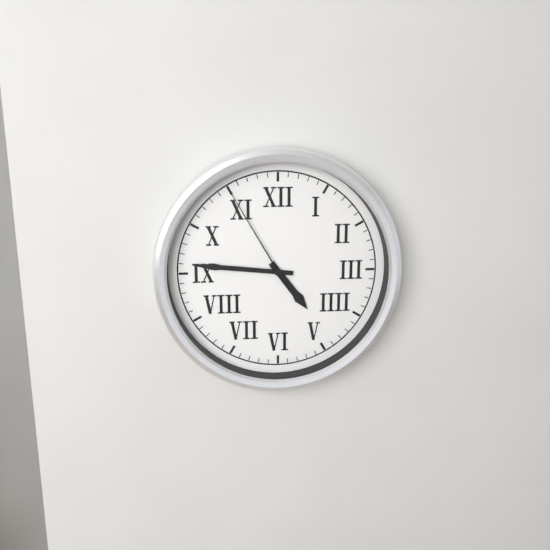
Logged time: 4,46,55
